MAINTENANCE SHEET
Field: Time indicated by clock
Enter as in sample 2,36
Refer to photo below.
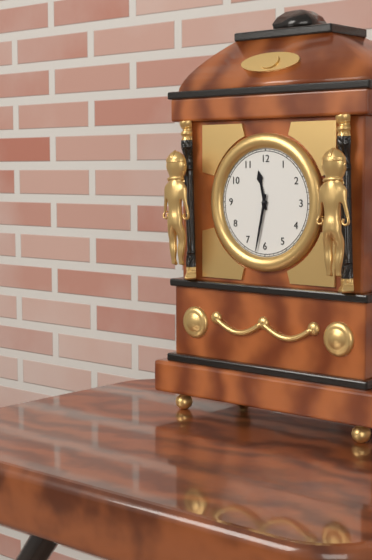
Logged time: 11,32
